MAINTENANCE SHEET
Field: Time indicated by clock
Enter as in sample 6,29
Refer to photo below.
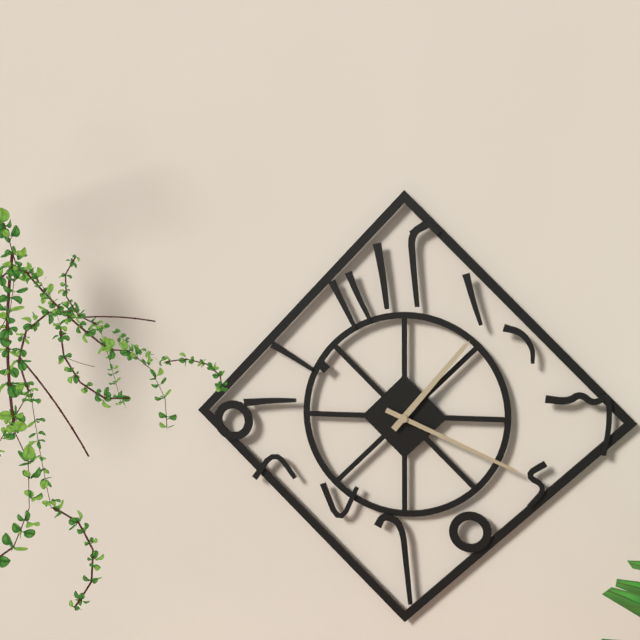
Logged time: 1,19
